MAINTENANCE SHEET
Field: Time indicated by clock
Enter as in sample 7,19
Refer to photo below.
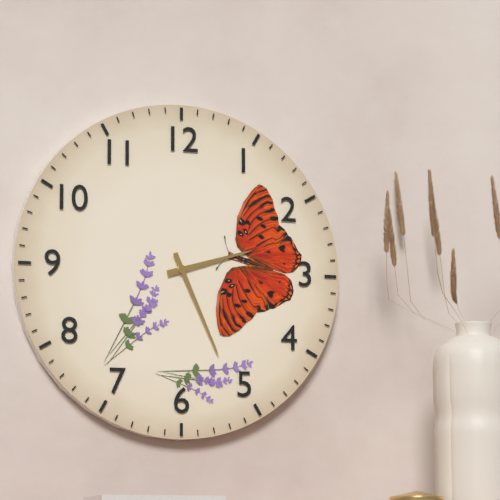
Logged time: 2,26
